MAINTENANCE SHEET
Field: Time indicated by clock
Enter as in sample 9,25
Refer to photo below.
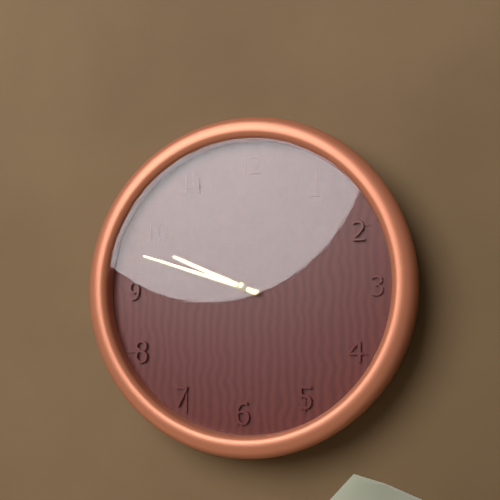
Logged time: 9,48
